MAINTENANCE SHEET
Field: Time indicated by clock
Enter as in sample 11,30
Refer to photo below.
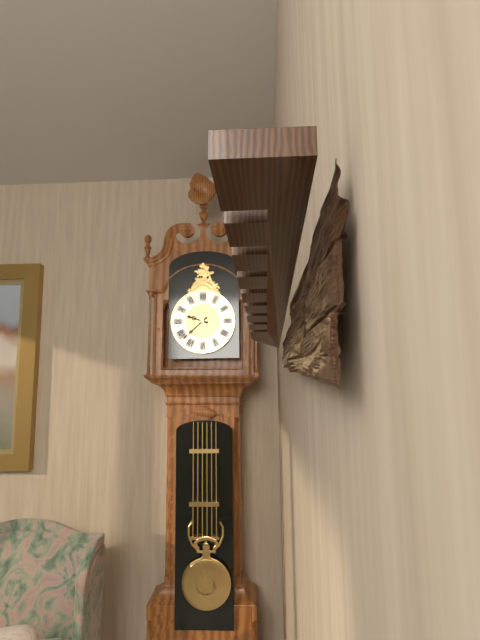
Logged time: 9,38
